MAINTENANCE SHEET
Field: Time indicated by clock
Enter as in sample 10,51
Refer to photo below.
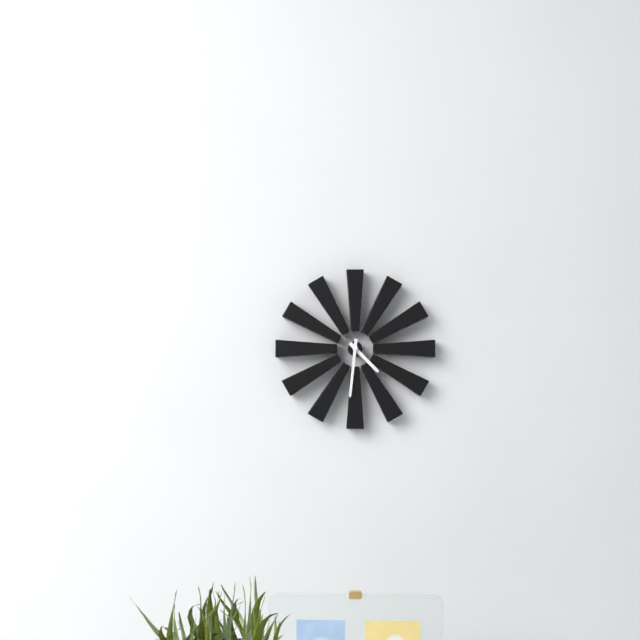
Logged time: 4,31
